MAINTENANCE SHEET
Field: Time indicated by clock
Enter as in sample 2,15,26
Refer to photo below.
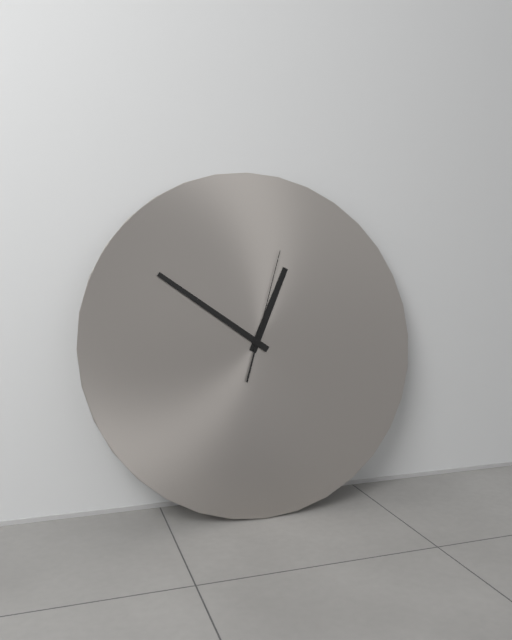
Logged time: 12,51,03
